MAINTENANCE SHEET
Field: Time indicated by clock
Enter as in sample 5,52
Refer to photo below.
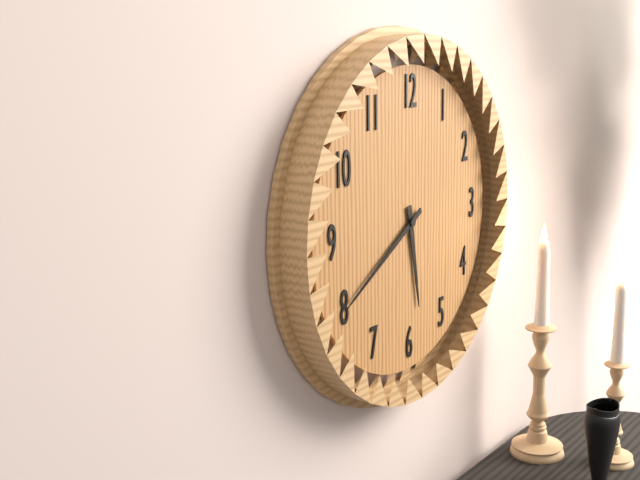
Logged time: 5,40
